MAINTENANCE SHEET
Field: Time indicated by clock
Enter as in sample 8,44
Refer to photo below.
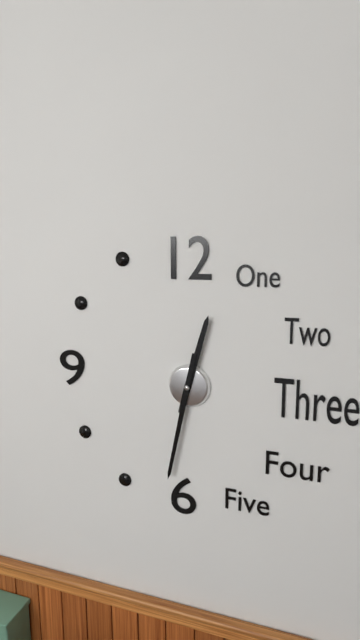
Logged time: 12,32
